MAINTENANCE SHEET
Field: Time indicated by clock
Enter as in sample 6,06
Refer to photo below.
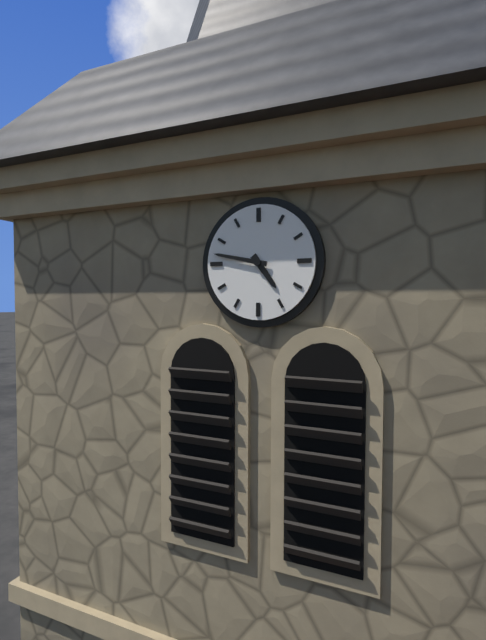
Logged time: 4,47
